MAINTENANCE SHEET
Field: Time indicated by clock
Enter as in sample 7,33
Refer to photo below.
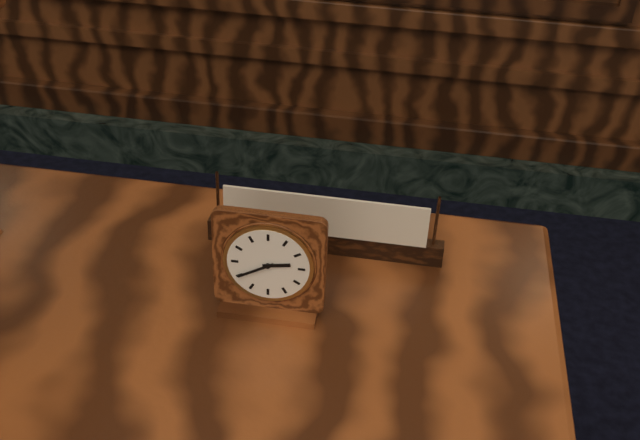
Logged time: 2,40
